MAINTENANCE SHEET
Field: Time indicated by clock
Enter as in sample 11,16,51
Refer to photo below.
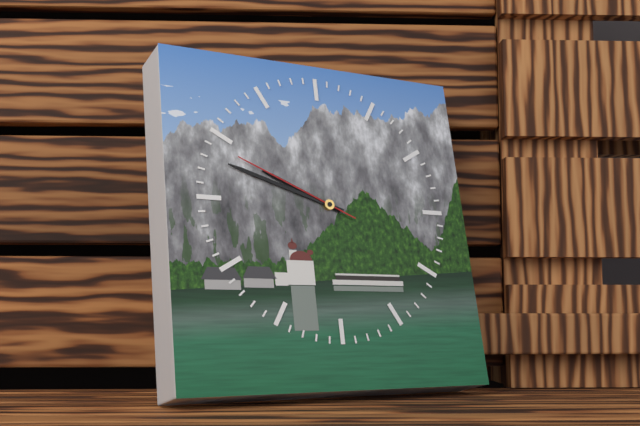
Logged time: 9,48,49
